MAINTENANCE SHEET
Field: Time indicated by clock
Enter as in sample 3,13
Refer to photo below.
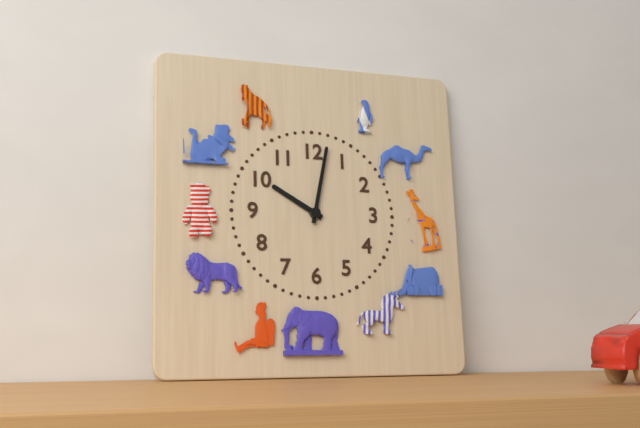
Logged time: 10,02
